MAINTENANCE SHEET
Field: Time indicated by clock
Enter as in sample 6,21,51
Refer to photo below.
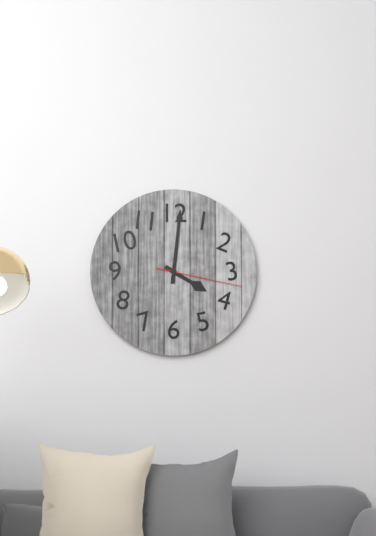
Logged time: 4,01,17
